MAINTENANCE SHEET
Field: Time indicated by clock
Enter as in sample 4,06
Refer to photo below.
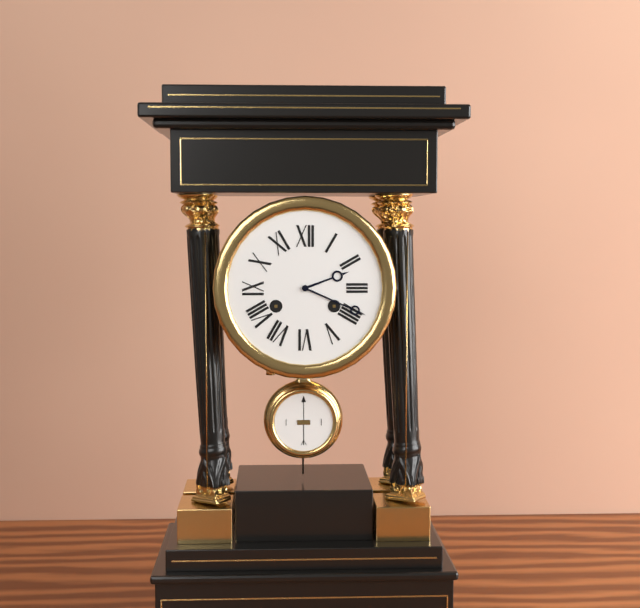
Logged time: 2,19
